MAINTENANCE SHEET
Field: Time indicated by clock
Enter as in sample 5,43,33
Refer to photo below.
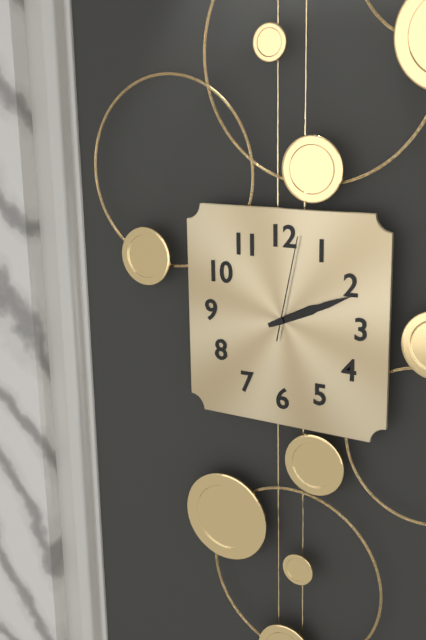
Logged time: 2,11,02
